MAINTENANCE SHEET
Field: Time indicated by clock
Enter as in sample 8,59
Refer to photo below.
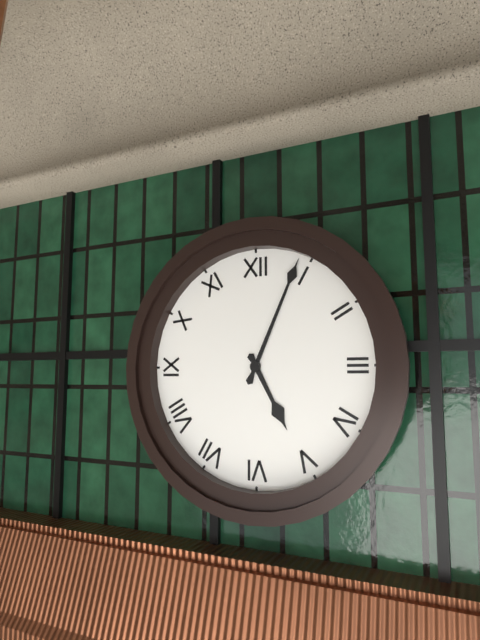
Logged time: 5,04
